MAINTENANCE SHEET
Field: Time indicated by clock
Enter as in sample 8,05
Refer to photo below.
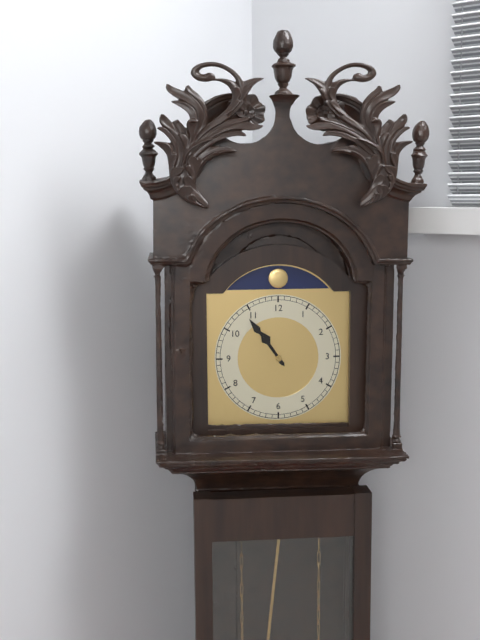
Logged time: 10,54
